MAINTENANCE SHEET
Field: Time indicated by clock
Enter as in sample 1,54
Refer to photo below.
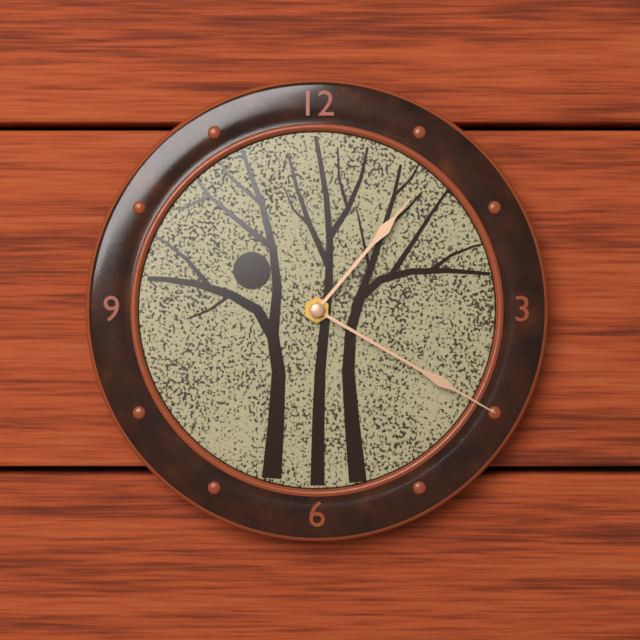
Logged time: 1,20
